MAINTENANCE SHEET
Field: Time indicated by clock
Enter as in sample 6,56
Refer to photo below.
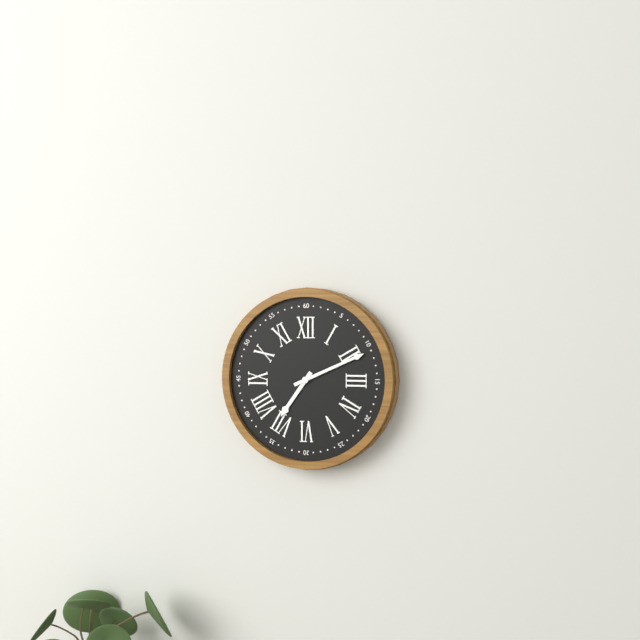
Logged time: 7,11
